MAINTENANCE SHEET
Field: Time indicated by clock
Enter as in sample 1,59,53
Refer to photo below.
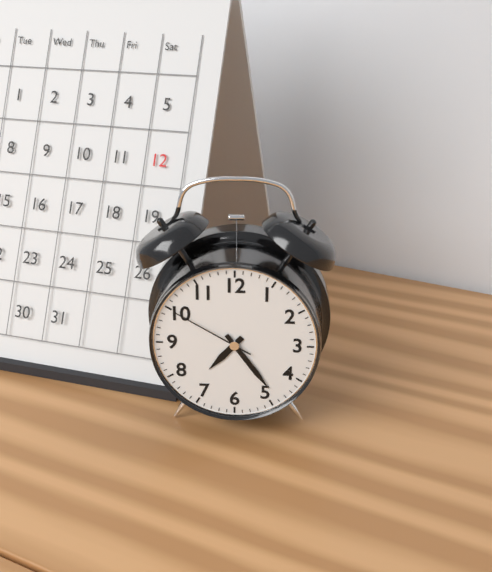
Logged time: 7,24,50
